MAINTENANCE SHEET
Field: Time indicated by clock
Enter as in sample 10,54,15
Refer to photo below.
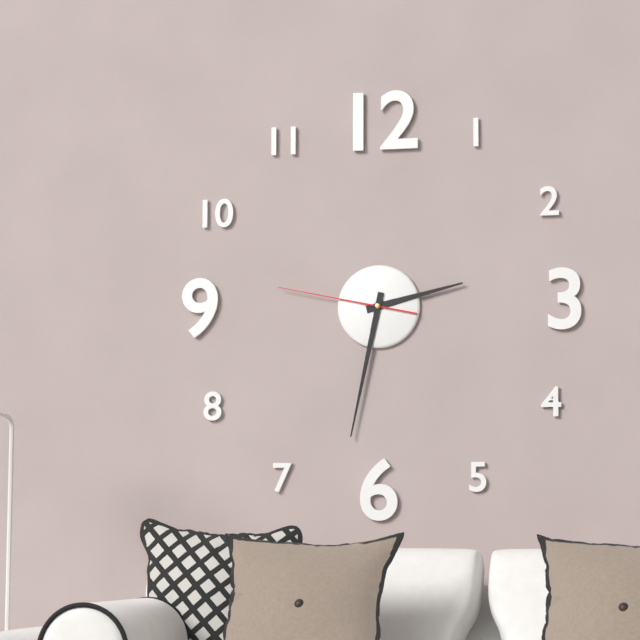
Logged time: 2,32,47
